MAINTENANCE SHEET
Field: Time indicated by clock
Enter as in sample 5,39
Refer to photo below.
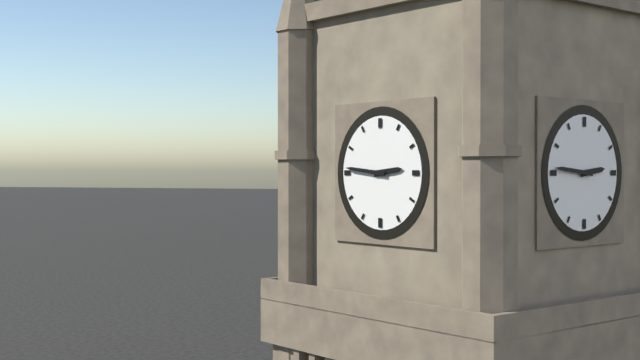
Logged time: 2,46
